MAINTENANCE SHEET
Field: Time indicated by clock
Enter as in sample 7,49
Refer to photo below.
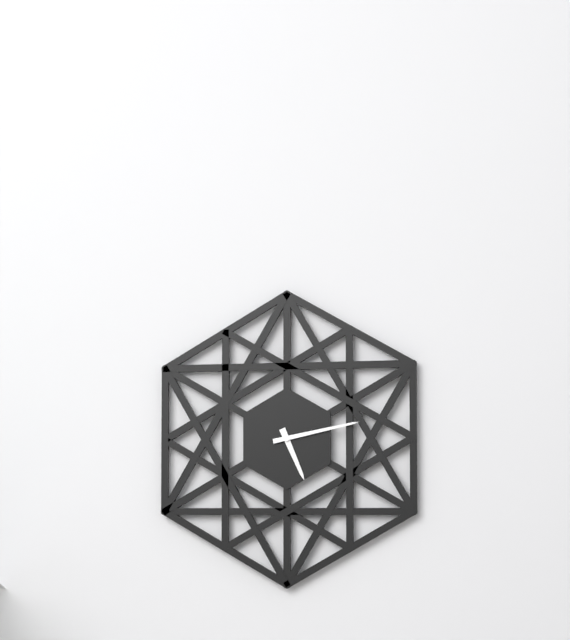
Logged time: 5,13
